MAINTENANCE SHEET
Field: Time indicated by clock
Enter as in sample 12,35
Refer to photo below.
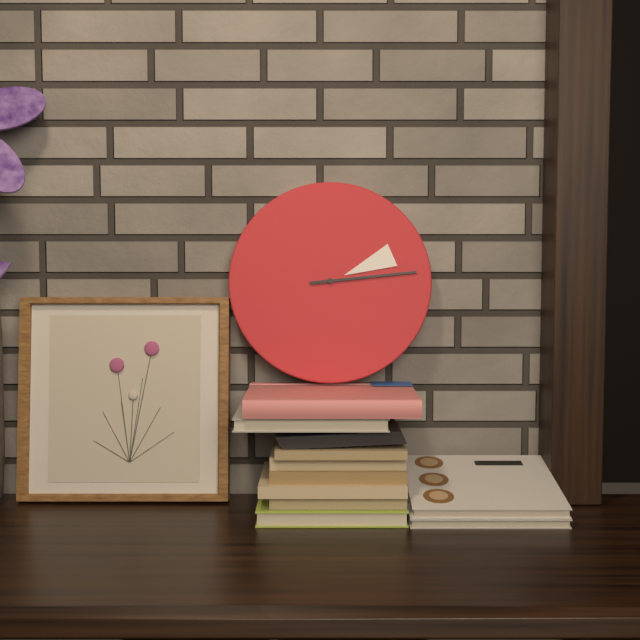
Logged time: 2,14
